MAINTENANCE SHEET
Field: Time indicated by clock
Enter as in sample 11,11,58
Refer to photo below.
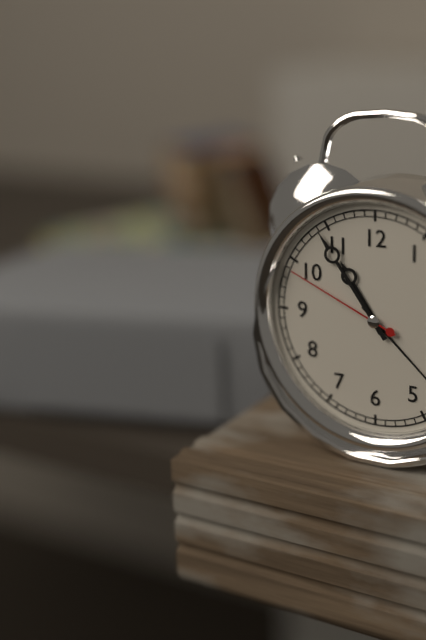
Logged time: 10,54,49
